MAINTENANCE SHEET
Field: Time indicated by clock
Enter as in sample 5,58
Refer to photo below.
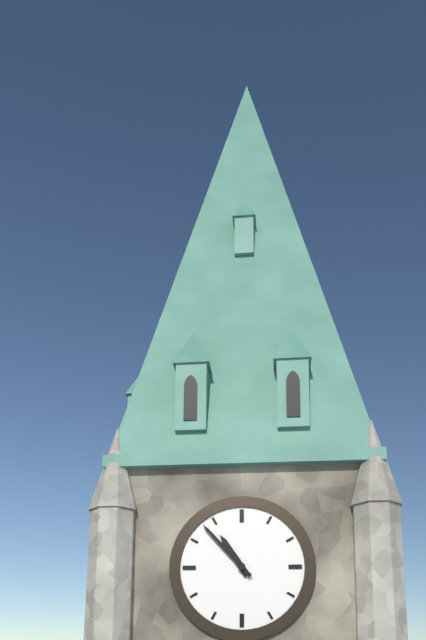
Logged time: 10,53
